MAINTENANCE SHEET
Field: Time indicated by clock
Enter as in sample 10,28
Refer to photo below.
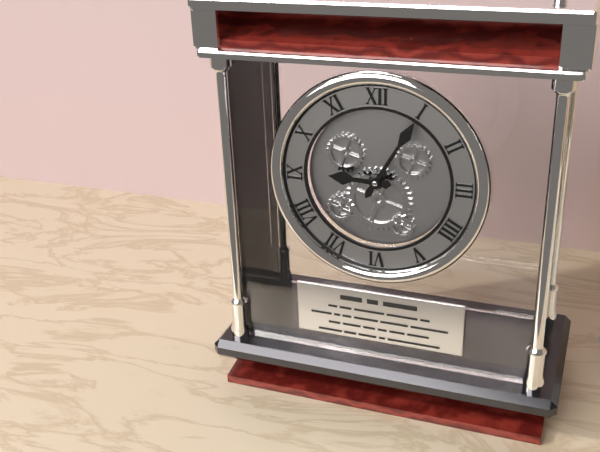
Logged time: 9,05
